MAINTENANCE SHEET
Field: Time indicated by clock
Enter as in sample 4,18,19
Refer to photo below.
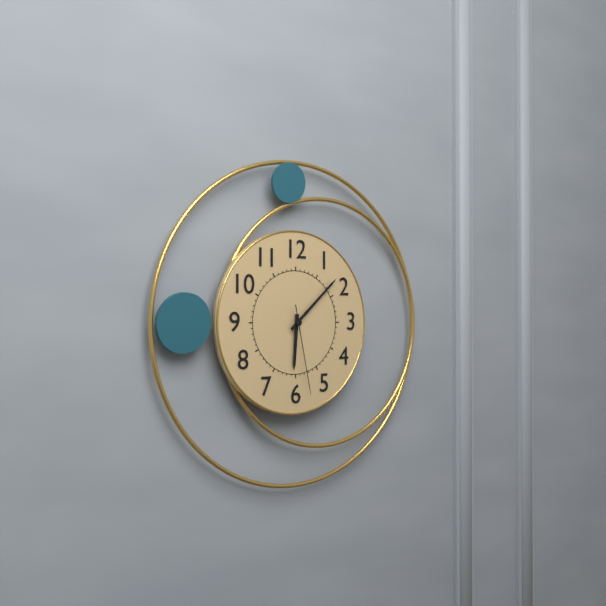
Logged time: 6,08,28
